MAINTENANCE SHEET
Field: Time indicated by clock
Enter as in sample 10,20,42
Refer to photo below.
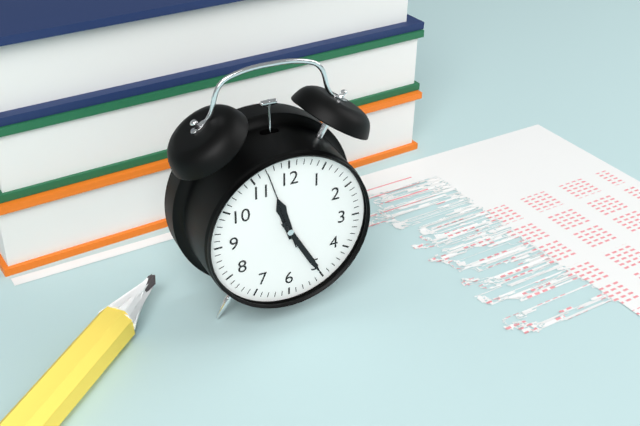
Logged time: 11,25,57
